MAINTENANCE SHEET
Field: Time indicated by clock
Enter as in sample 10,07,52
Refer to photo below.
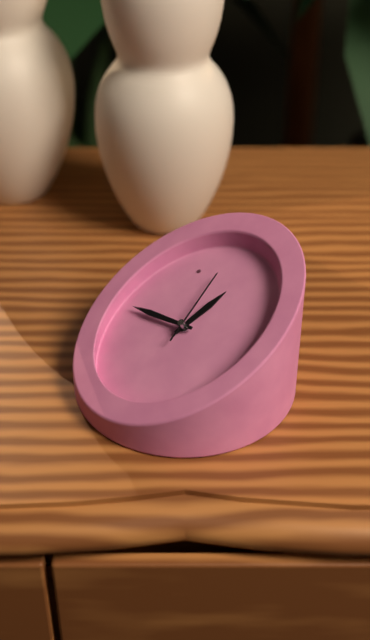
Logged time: 2,56,11
